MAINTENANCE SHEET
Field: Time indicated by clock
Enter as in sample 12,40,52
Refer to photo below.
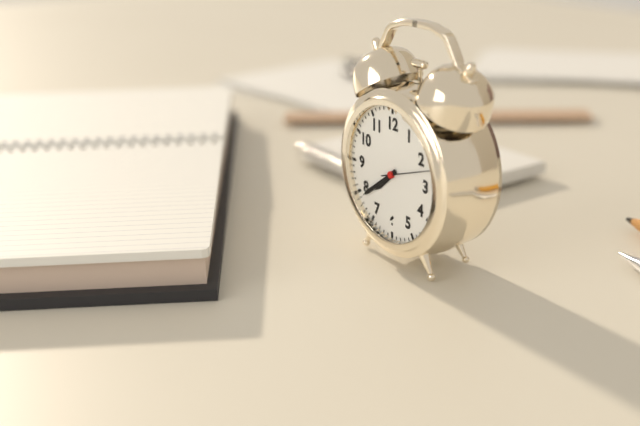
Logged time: 7,39,12
